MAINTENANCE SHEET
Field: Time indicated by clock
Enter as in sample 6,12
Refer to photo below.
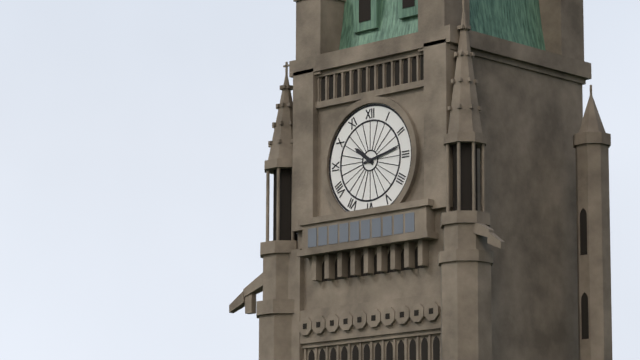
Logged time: 10,13
